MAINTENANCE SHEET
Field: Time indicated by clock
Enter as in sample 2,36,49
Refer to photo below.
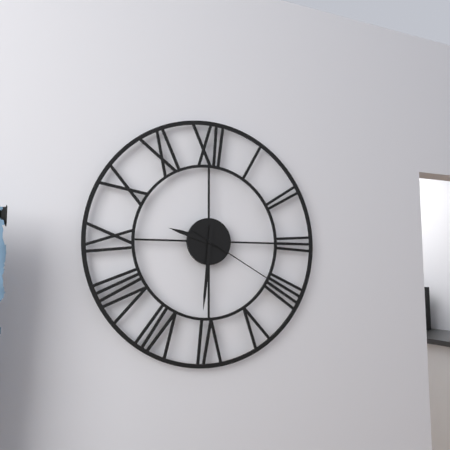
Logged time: 9,31,20
